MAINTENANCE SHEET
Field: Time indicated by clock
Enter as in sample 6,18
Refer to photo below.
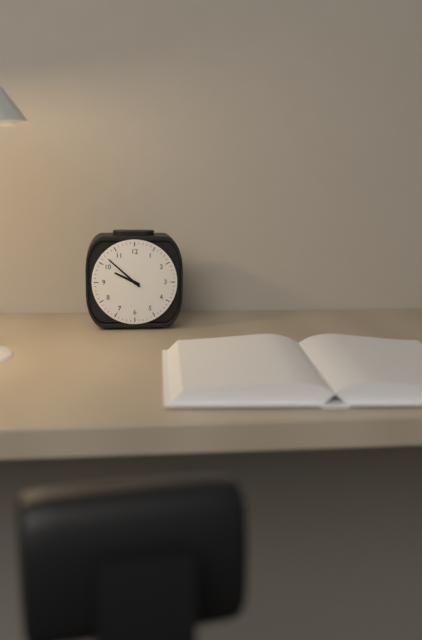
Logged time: 9,52
